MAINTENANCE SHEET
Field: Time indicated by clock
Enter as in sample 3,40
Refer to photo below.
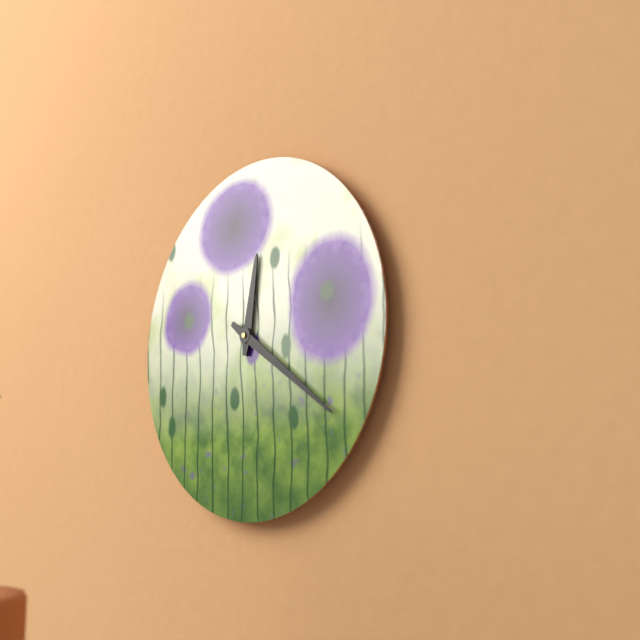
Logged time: 12,21
